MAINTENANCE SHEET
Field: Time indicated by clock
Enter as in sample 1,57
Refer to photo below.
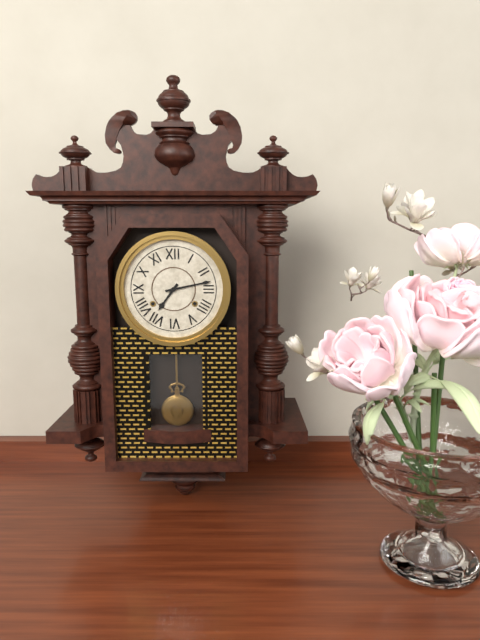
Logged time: 7,13
